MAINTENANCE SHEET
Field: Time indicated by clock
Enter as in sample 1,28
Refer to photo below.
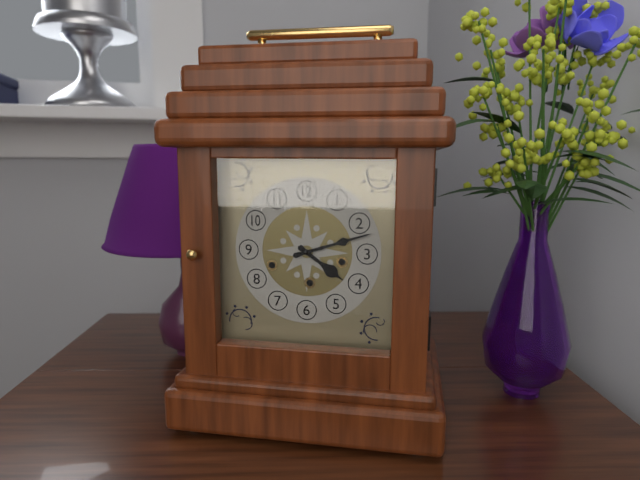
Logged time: 4,12
